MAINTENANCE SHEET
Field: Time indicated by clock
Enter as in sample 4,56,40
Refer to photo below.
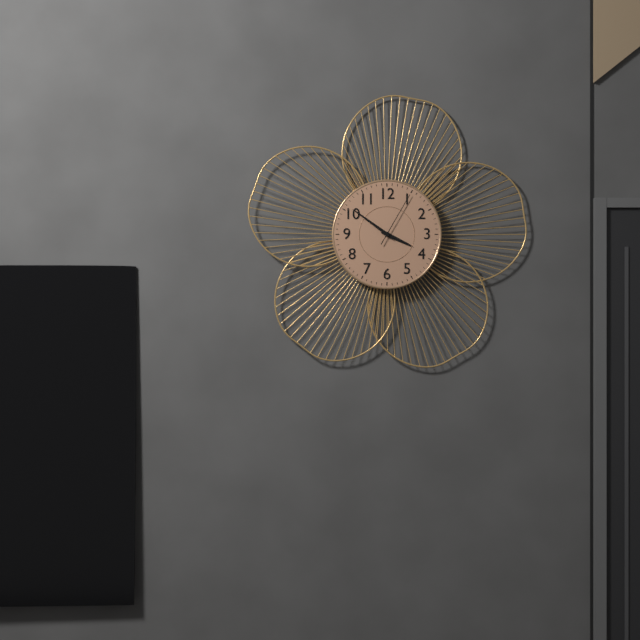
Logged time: 3,51,05
